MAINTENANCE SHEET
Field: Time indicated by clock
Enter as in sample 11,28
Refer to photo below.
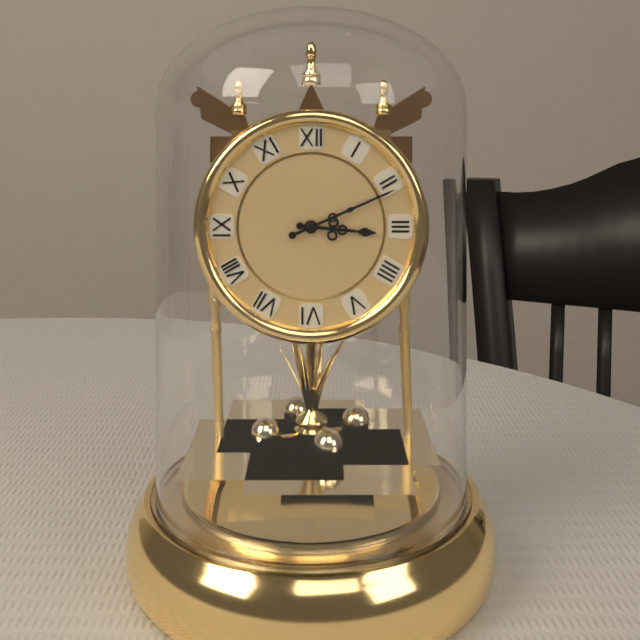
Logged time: 3,11
